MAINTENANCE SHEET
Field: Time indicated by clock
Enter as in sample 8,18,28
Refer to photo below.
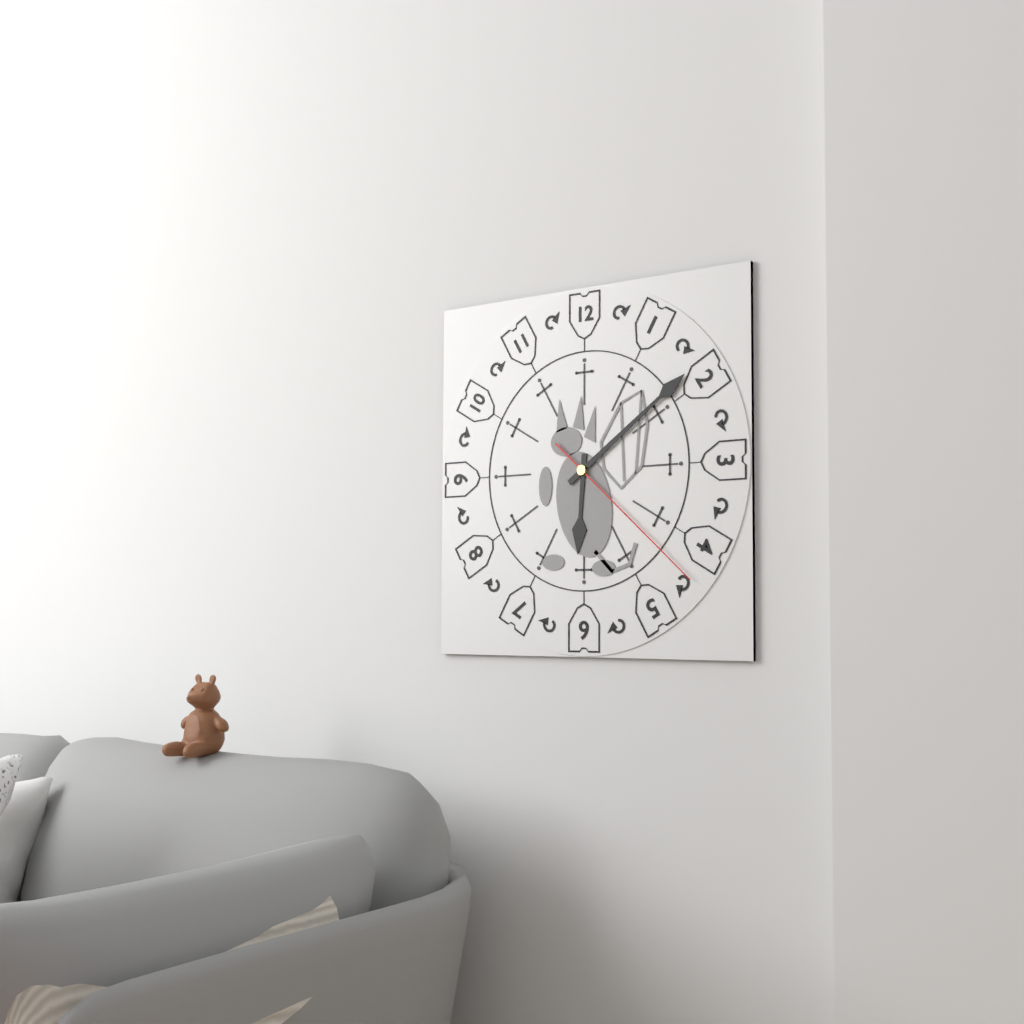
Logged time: 6,09,22
